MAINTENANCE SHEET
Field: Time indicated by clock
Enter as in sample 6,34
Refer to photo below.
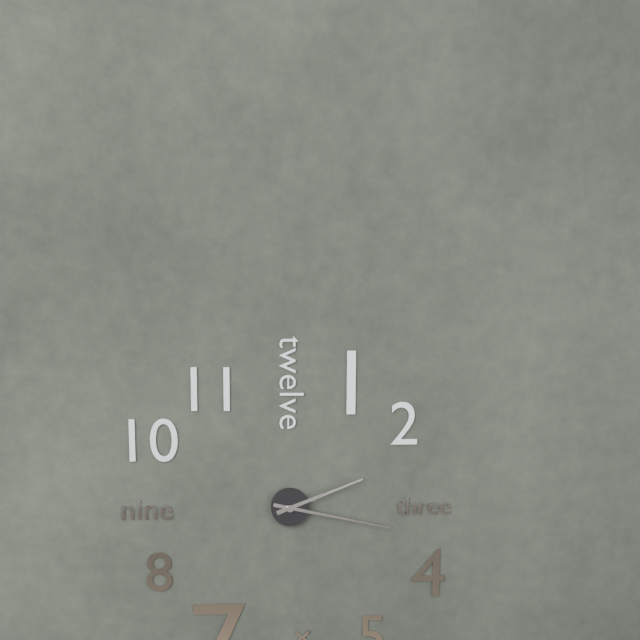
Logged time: 2,17
